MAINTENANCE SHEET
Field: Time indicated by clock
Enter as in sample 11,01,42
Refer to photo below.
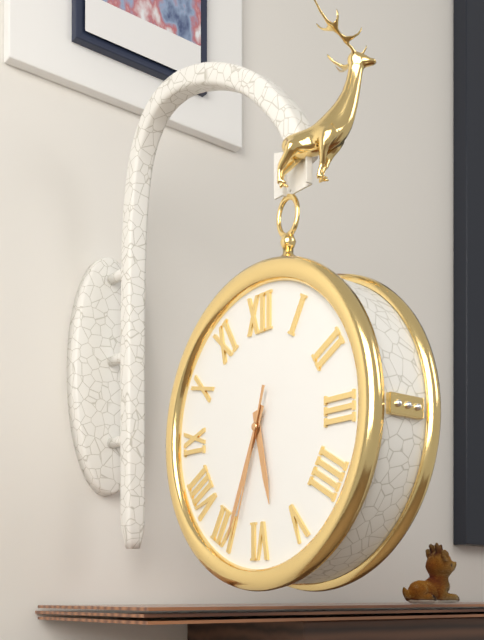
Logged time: 5,34,33
